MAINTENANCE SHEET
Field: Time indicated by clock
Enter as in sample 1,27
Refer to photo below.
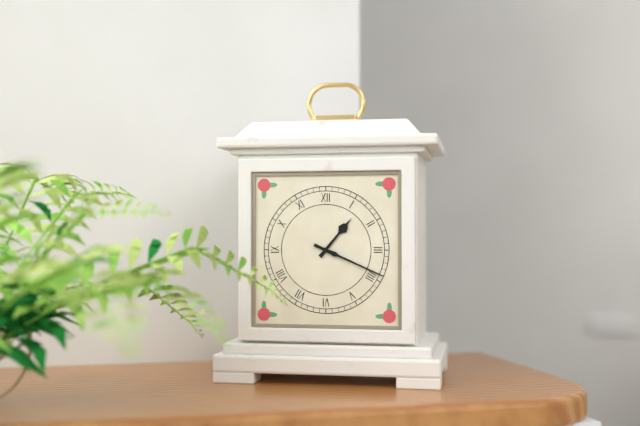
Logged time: 1,19
